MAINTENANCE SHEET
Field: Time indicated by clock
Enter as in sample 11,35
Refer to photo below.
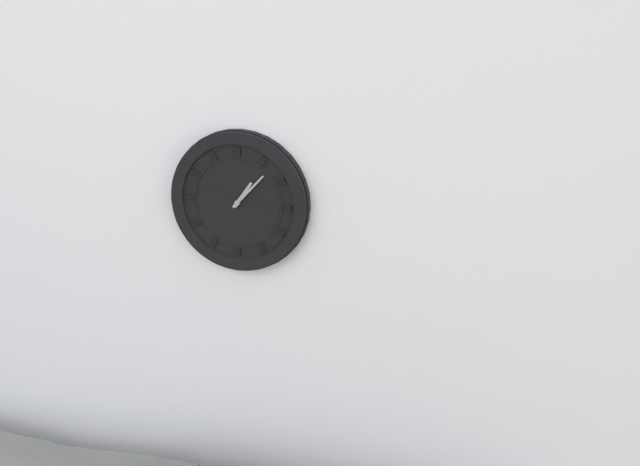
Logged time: 1,07
